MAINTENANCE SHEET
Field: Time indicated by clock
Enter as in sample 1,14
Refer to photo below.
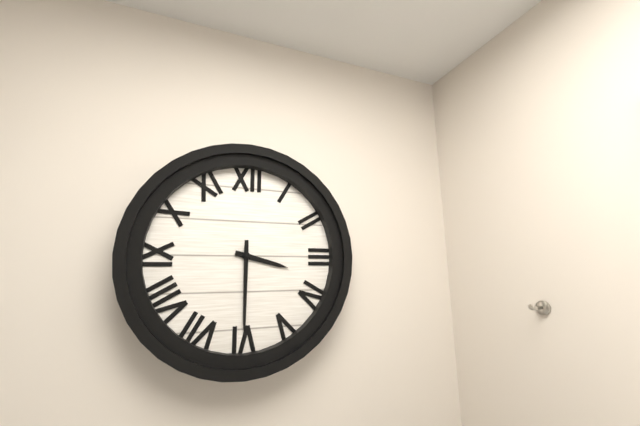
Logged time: 3,30
